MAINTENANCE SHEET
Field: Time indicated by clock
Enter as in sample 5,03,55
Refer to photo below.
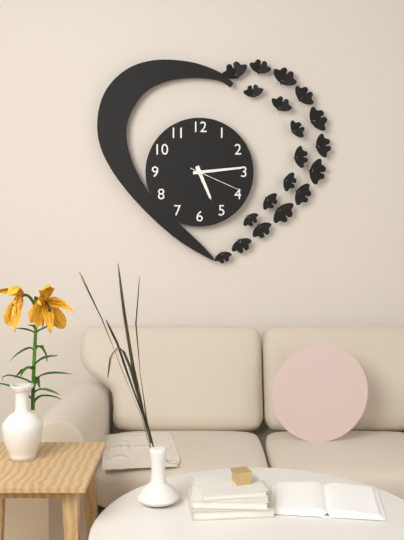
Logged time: 5,14,19
